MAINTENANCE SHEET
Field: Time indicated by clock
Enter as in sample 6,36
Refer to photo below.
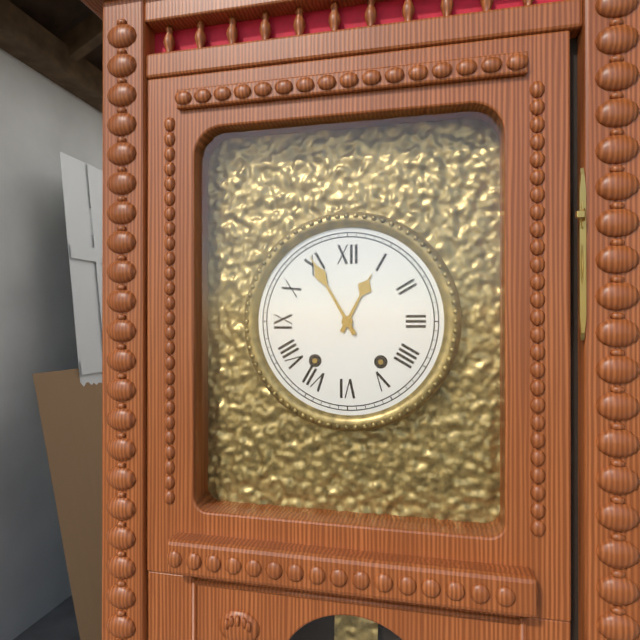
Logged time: 12,55
